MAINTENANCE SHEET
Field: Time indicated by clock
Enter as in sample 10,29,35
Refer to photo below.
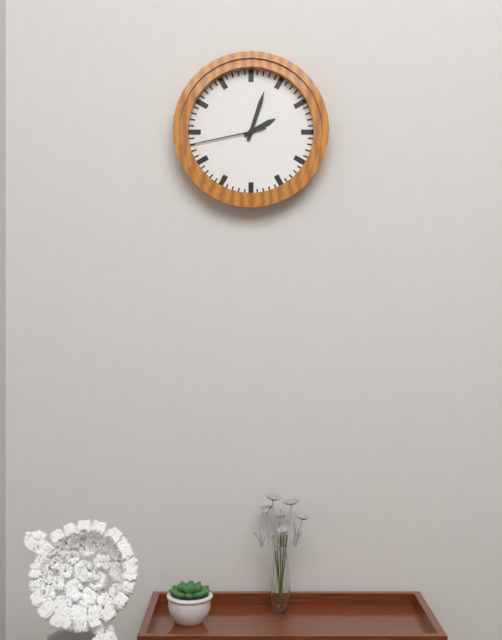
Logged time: 2,03,43
